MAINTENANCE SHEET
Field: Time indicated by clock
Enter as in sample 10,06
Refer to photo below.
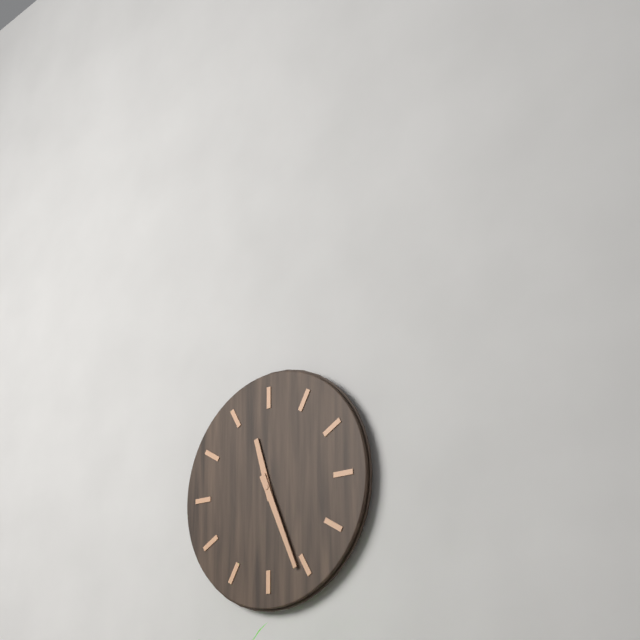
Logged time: 11,26
